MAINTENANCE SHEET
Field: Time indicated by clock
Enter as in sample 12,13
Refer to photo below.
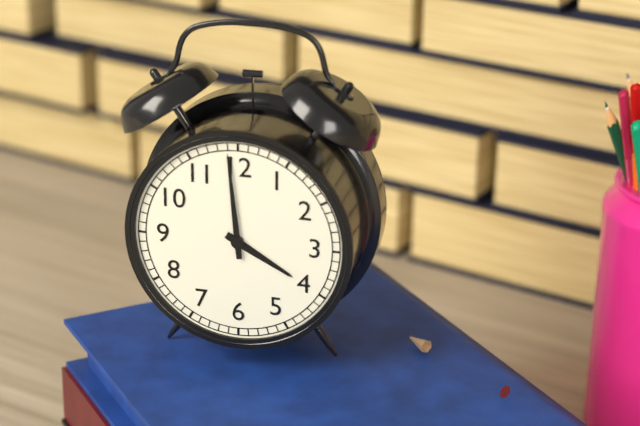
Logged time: 3,59
